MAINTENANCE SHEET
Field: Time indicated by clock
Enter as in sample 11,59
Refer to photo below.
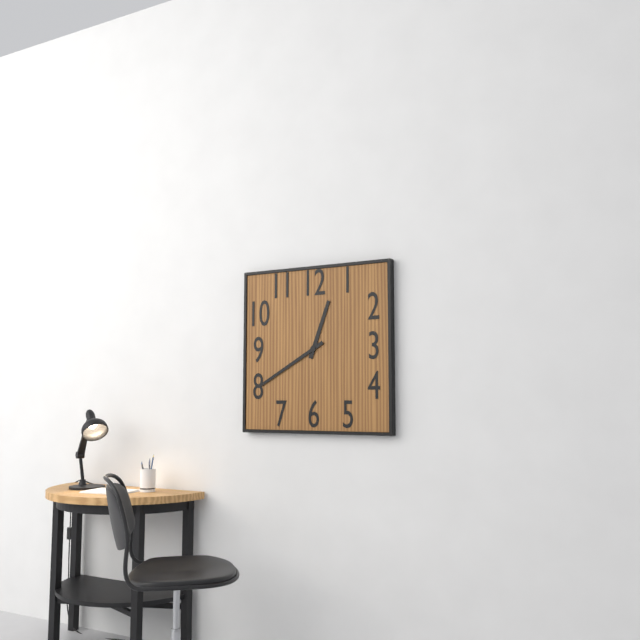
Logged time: 12,40
